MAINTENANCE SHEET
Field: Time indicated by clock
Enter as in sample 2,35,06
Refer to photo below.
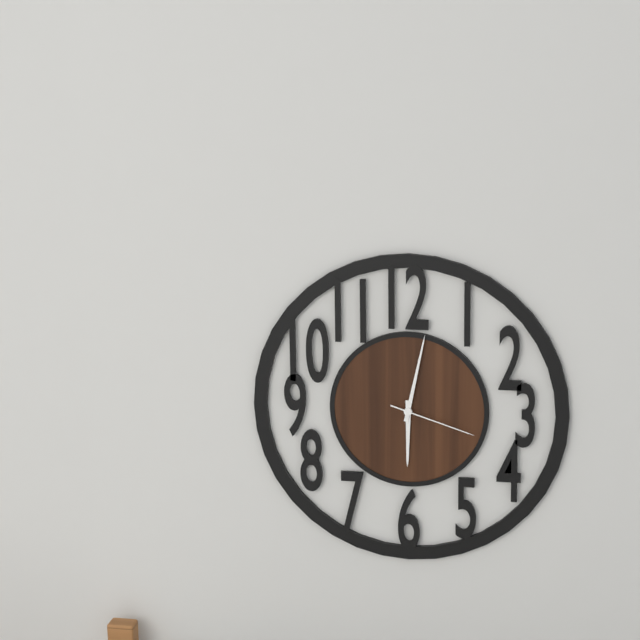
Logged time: 6,02,18
